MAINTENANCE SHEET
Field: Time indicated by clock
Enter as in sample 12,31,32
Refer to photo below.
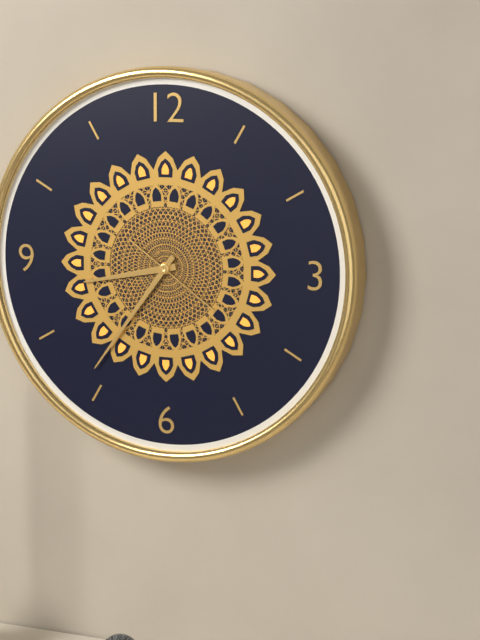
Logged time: 8,36,21
